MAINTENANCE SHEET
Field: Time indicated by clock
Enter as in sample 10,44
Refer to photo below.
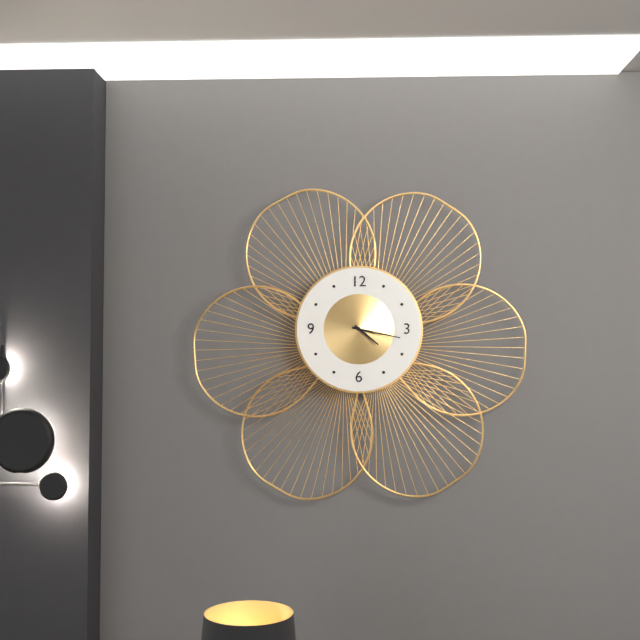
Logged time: 4,17
